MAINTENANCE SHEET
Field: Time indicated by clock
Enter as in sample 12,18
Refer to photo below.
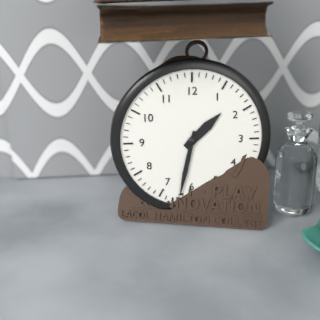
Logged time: 1,32
